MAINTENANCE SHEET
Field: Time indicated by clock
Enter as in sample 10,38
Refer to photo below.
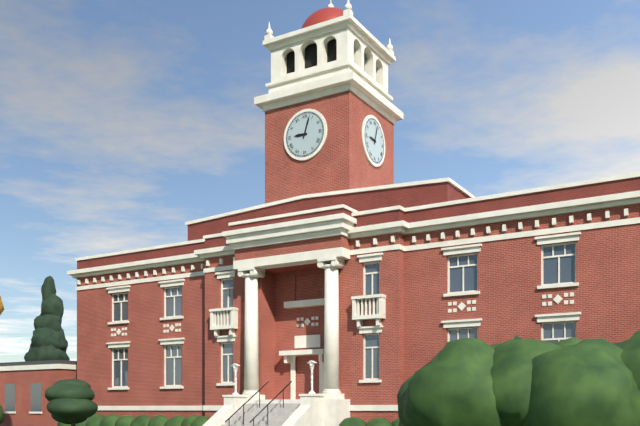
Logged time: 9,03
